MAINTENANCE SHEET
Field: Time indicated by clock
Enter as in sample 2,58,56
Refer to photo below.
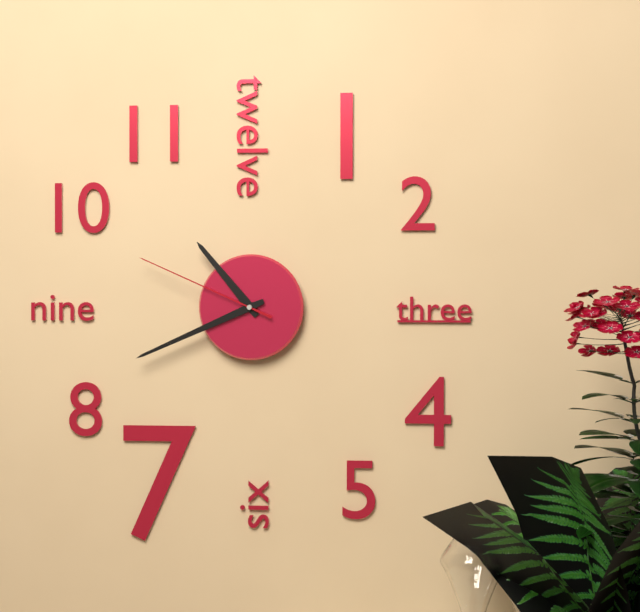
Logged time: 10,41,49
